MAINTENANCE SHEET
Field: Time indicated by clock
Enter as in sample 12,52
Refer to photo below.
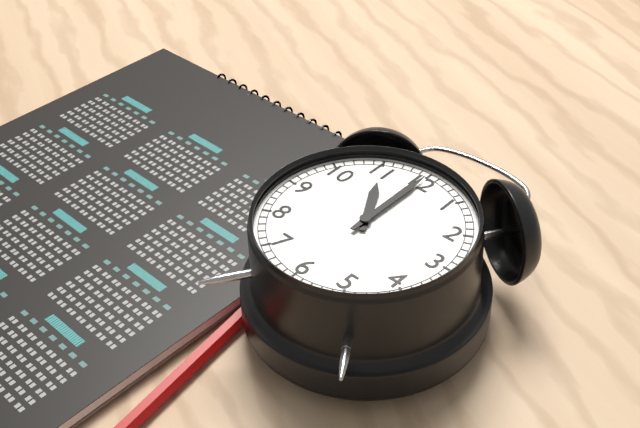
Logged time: 11,00
